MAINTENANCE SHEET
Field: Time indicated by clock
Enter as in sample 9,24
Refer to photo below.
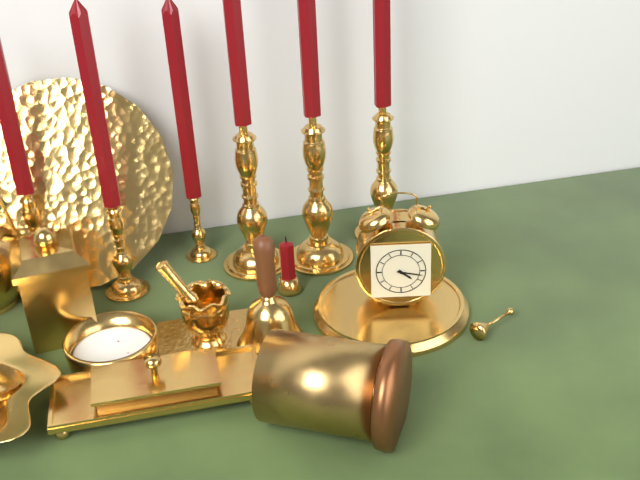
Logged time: 4,17
